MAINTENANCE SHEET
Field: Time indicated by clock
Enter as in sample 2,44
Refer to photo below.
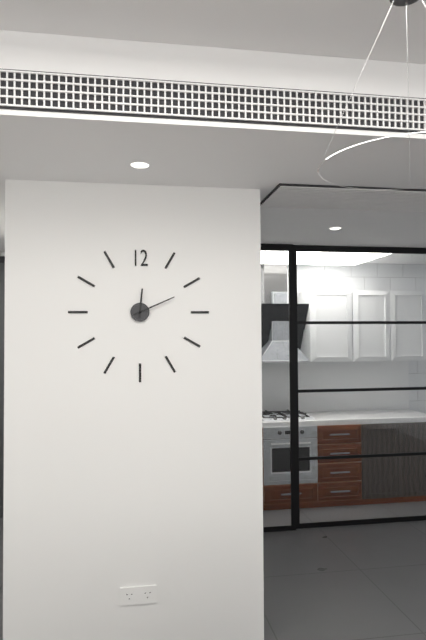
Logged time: 12,11
